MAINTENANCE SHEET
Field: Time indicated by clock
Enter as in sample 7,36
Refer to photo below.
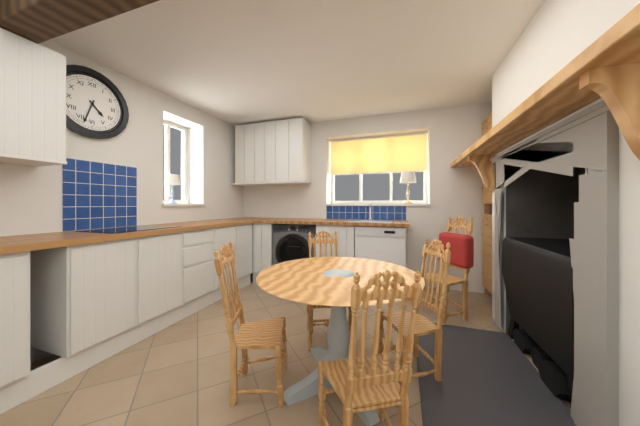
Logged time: 4,33
